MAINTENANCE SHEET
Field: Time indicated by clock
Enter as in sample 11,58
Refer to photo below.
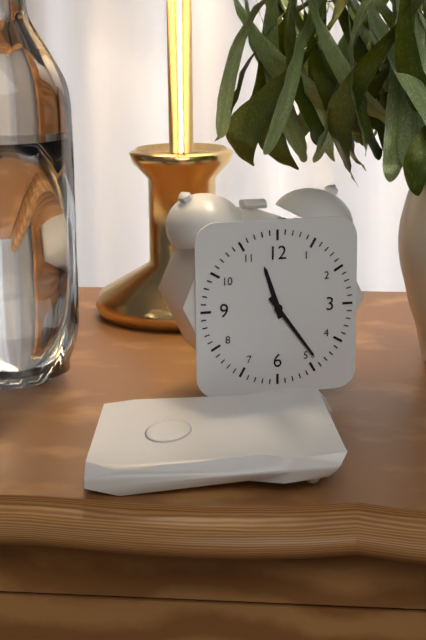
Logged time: 11,24
